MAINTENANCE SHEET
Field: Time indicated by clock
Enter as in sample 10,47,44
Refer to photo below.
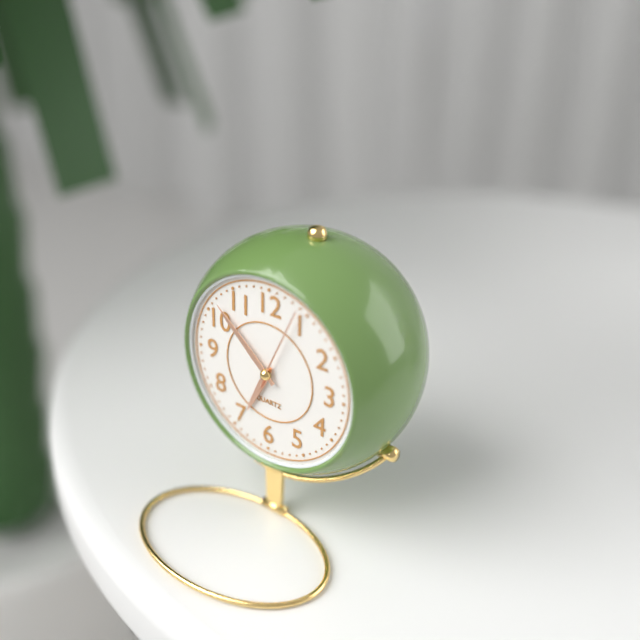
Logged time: 6,52,04
